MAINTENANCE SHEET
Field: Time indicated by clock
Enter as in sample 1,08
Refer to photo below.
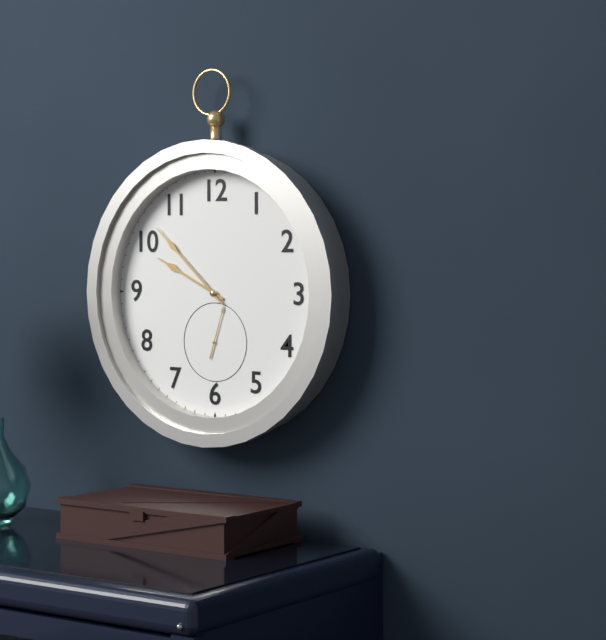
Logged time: 9,52
